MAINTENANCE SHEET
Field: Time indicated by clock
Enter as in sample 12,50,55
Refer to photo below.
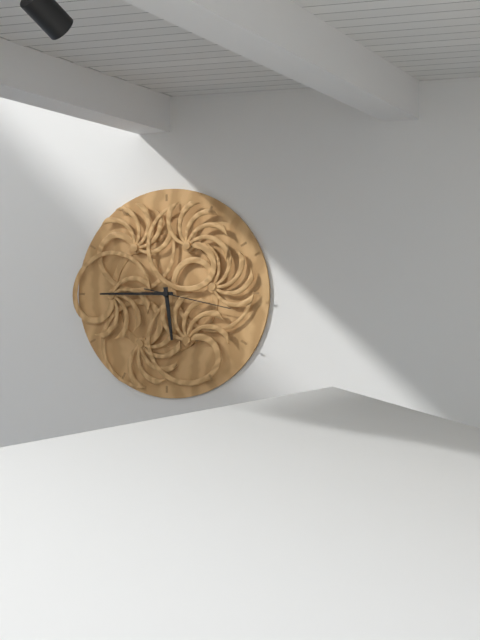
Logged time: 5,45,17
